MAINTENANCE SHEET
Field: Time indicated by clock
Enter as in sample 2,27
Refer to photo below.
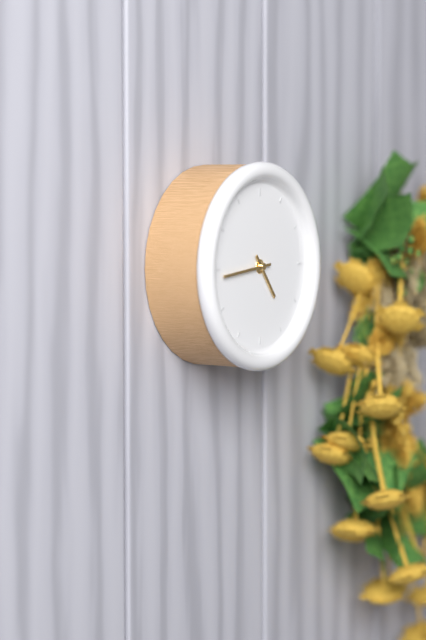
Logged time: 4,44
